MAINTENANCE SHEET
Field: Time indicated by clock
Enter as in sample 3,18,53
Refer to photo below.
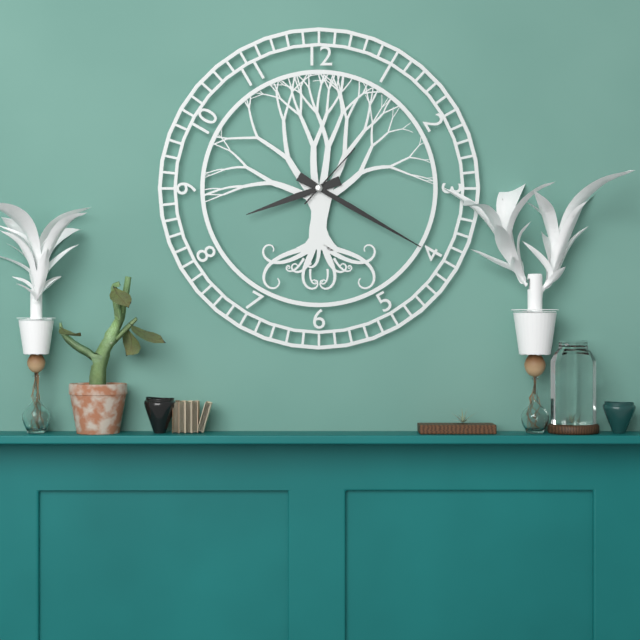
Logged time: 8,20,07
